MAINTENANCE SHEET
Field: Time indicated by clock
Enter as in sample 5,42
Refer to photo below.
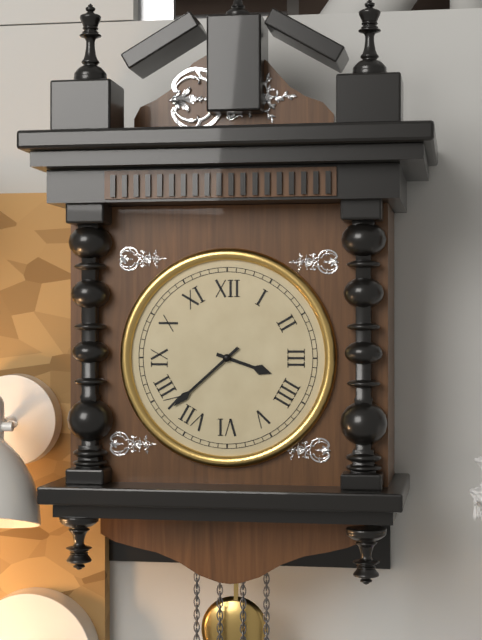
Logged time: 3,38
